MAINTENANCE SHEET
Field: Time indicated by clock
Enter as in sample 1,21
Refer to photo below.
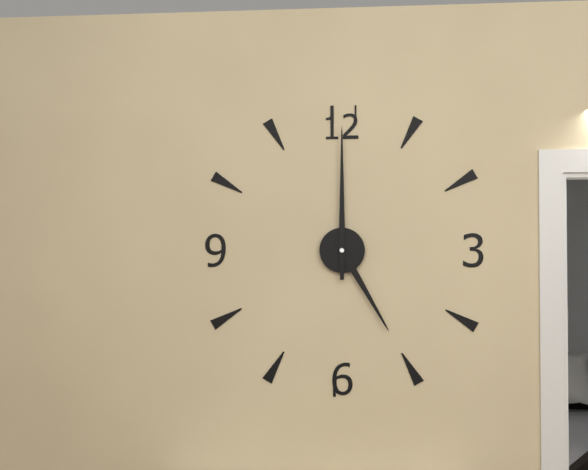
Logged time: 5,00
